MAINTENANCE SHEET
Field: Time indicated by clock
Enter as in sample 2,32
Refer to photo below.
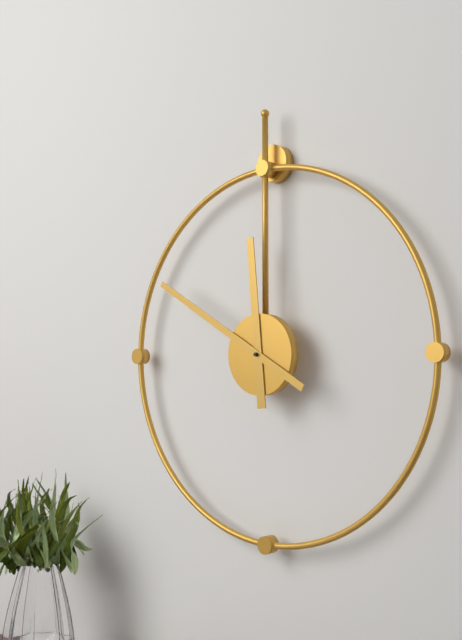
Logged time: 11,50
